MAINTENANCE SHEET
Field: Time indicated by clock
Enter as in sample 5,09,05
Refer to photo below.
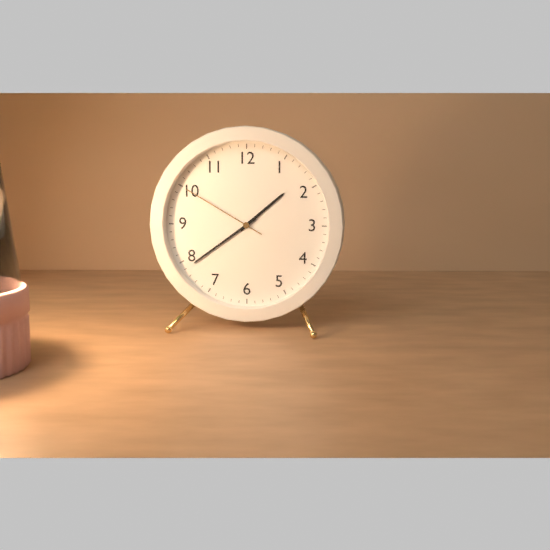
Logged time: 1,39,50
